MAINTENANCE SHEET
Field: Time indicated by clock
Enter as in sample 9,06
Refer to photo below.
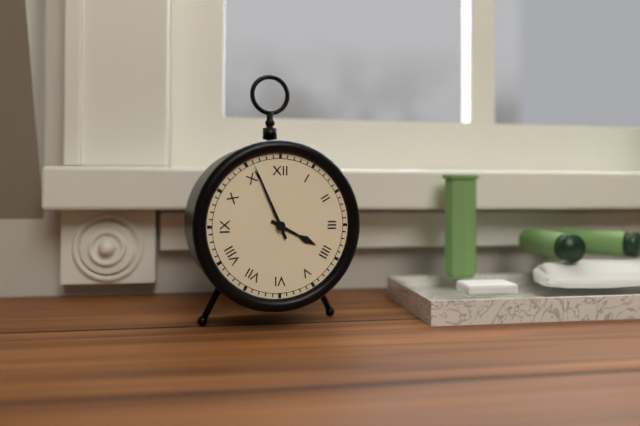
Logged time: 3,56
